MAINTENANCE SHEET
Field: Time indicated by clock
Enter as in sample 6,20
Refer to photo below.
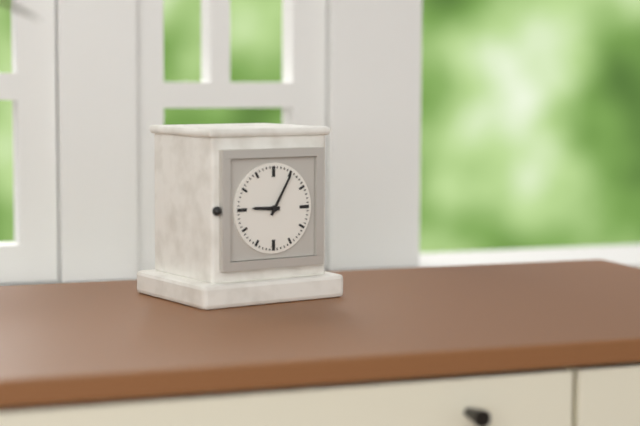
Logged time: 9,05
